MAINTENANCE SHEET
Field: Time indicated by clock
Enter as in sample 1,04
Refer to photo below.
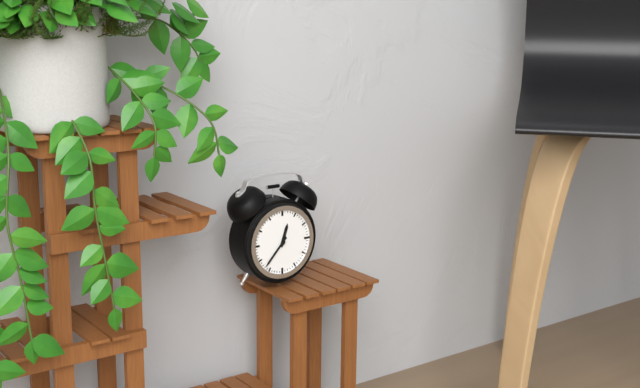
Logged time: 12,37
